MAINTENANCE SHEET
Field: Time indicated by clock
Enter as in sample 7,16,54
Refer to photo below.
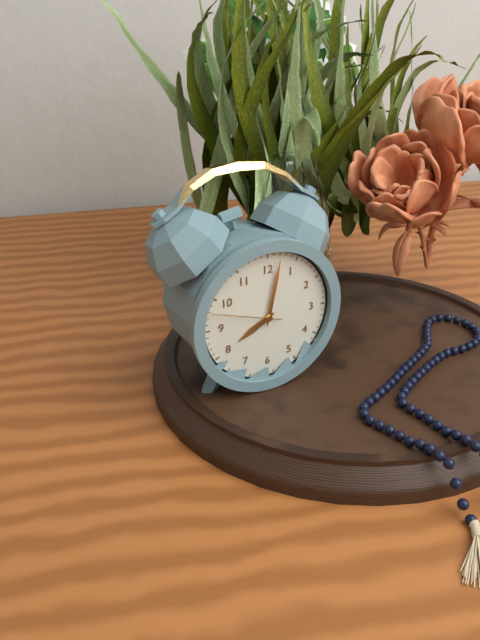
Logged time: 8,02,48
